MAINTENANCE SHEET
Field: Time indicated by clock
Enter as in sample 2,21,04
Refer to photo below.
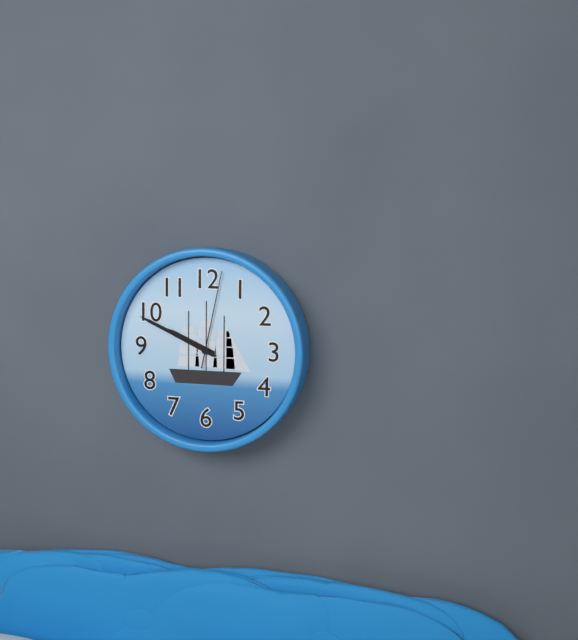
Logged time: 9,49,02
